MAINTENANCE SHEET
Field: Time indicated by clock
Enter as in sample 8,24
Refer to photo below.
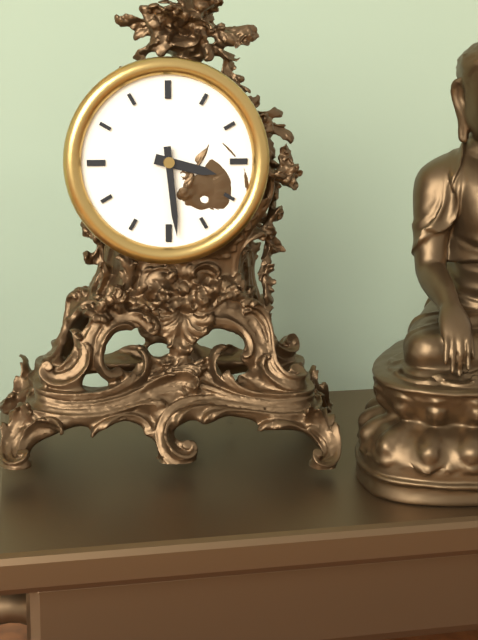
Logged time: 3,29
